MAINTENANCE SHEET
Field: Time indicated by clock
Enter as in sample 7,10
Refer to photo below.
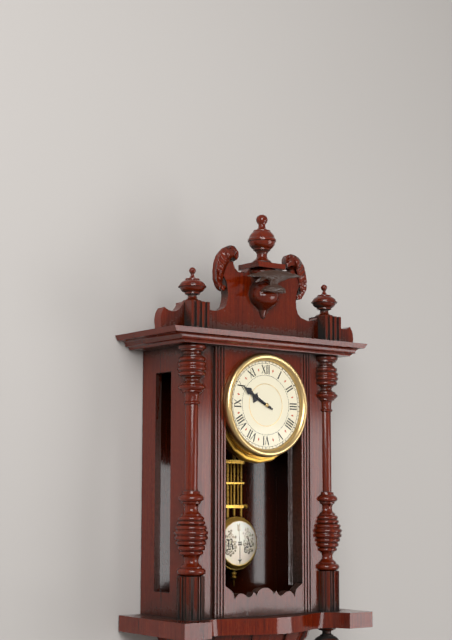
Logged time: 9,50
